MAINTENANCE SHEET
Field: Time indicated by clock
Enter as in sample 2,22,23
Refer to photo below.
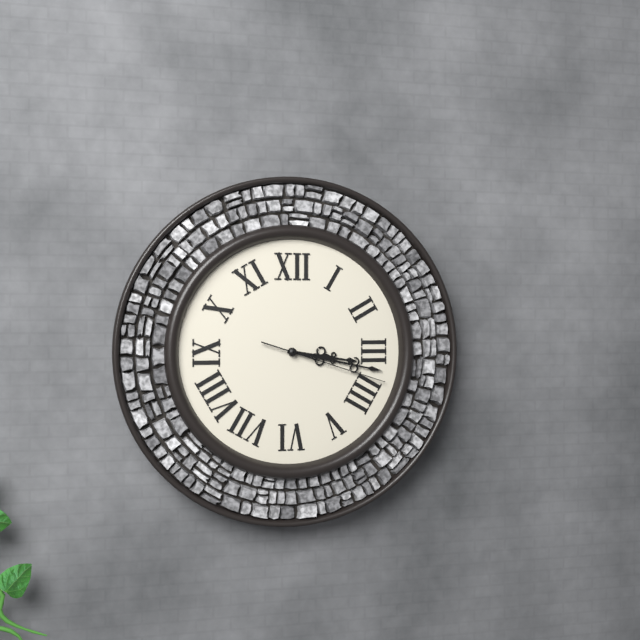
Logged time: 3,17,18
